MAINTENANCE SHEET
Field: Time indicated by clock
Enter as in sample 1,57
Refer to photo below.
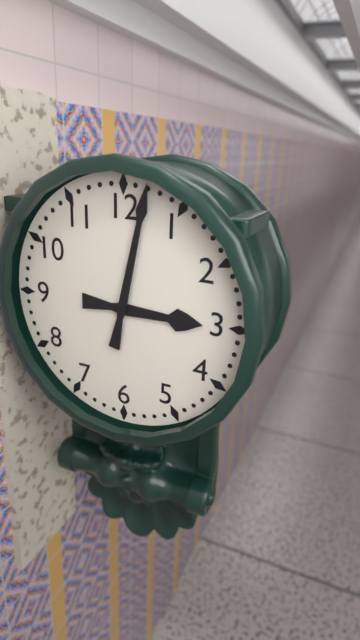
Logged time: 3,02
